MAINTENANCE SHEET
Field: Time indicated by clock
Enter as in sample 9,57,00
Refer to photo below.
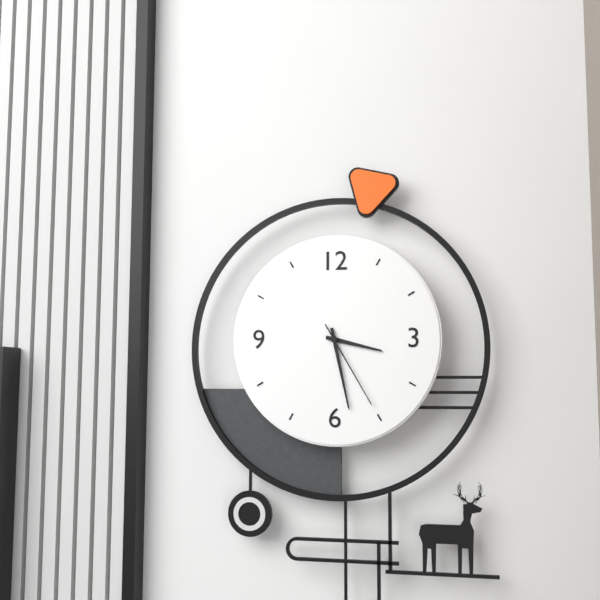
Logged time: 3,28,25
